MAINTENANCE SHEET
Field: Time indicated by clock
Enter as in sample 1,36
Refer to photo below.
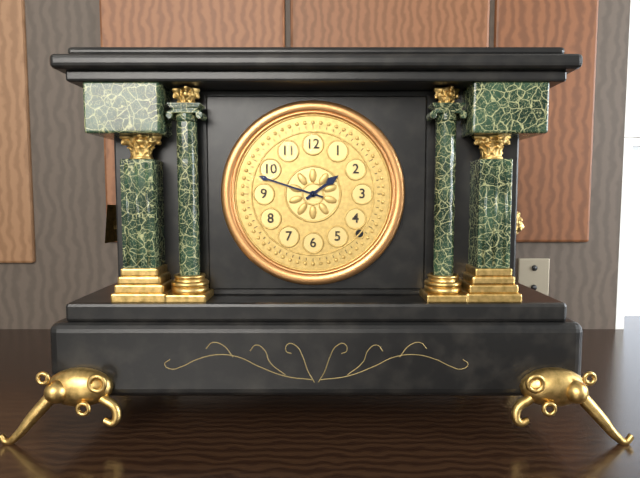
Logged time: 1,48
